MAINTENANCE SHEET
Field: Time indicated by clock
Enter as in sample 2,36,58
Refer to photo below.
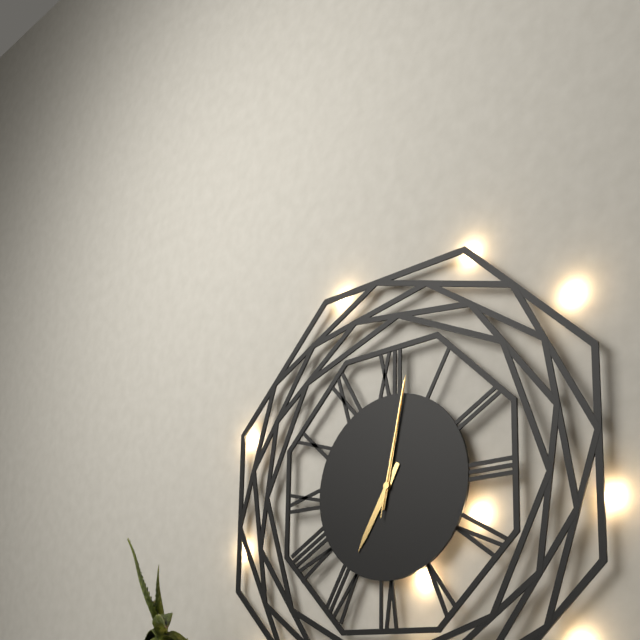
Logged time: 7,02,02
